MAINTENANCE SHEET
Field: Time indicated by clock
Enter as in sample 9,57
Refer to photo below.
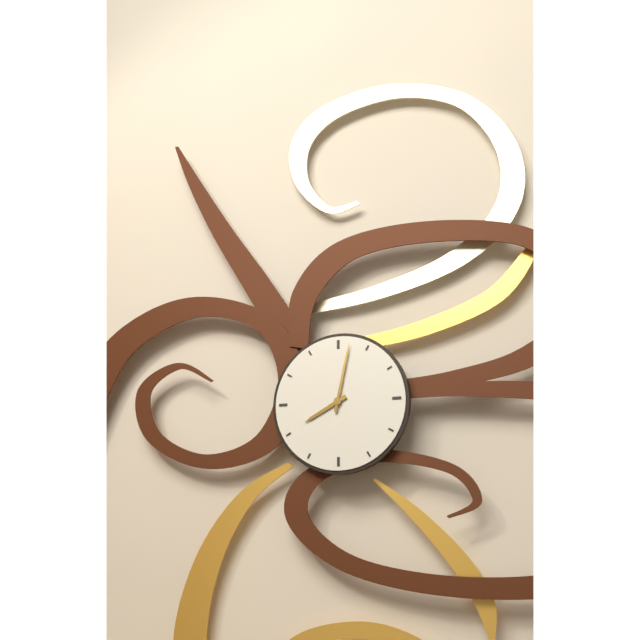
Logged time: 8,02
